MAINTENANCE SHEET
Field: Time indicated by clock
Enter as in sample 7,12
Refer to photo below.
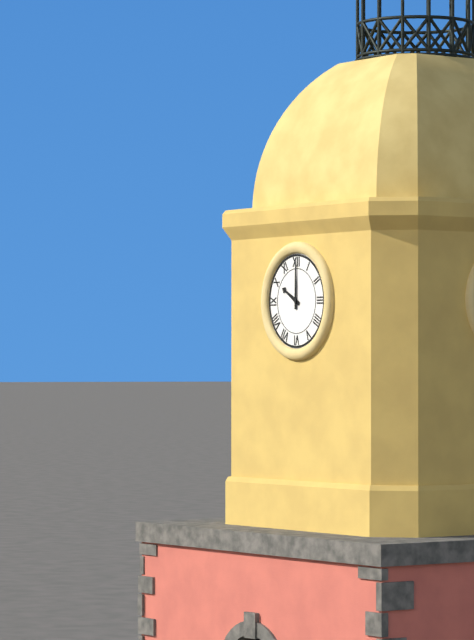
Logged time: 10,00
